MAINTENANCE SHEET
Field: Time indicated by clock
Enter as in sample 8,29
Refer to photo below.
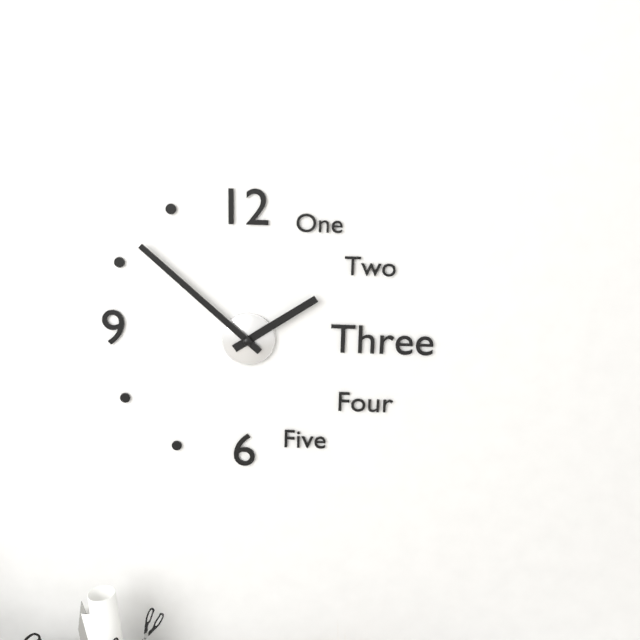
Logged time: 1,52
